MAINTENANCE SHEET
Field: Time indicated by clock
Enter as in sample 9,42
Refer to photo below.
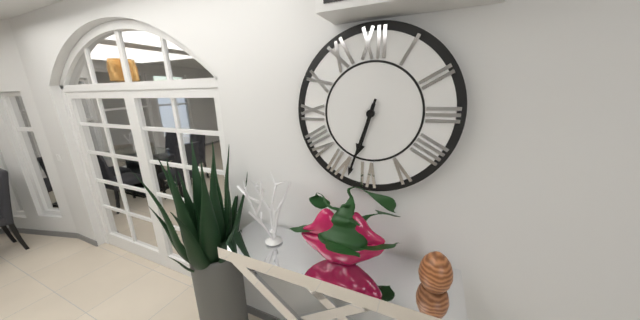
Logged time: 6,33
